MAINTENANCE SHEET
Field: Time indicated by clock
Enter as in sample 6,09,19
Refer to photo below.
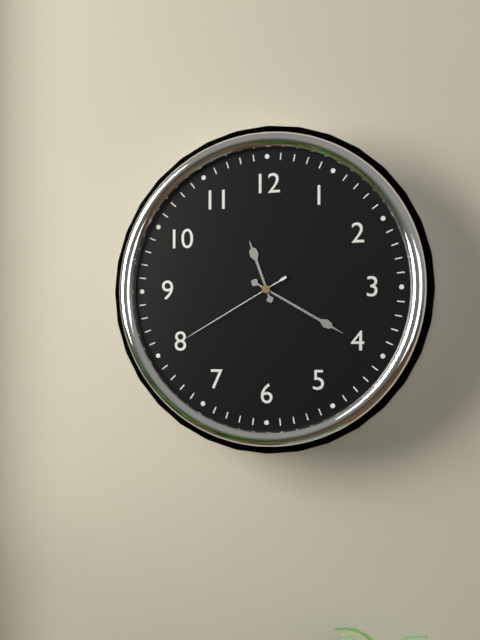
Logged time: 11,20,40
